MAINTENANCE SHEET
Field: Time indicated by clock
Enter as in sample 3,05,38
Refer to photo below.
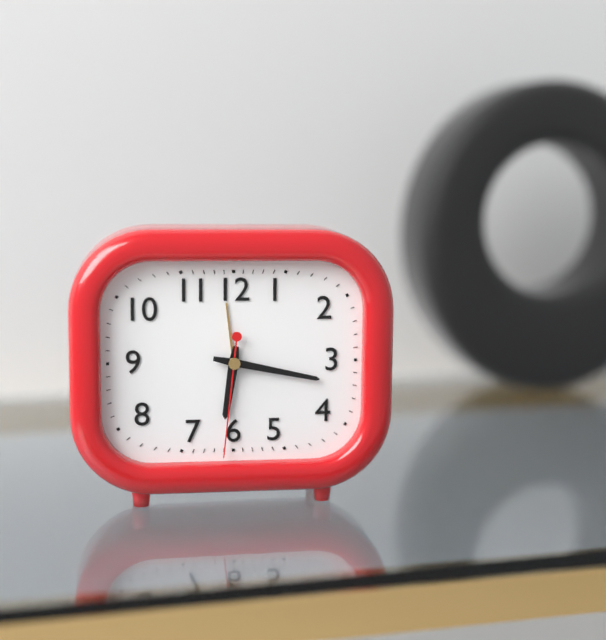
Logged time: 6,17,31
